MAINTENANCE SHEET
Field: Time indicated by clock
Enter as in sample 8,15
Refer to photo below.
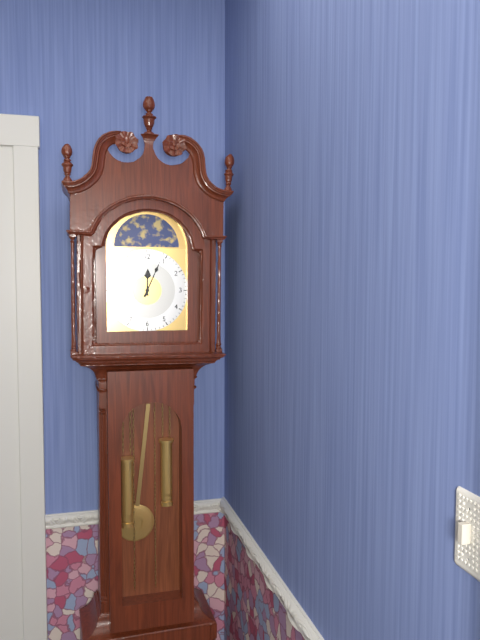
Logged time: 12,04
